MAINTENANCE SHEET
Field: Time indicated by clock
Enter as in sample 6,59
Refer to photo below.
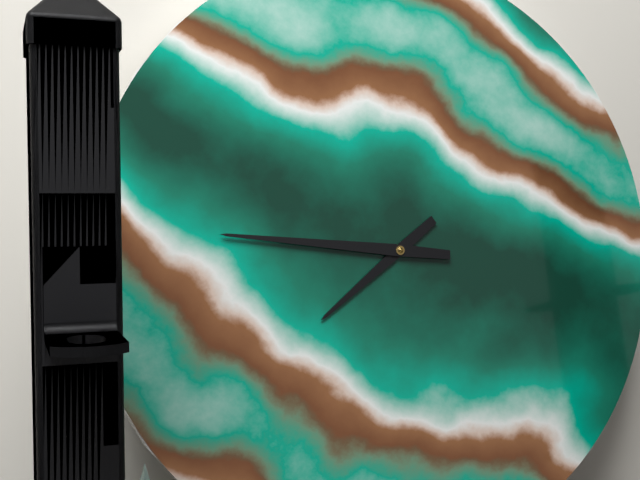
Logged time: 7,46
